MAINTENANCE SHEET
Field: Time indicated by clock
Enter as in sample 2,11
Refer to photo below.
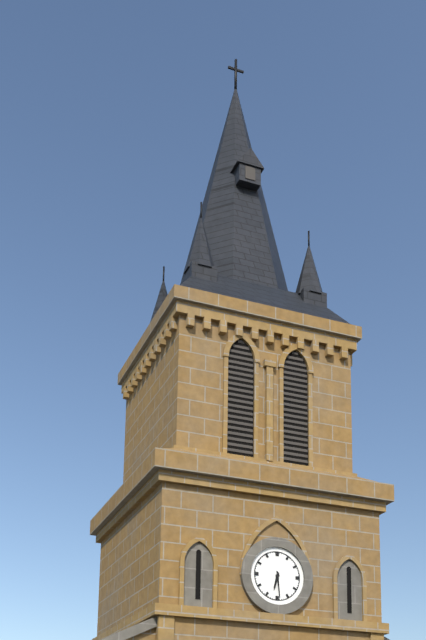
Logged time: 6,29
